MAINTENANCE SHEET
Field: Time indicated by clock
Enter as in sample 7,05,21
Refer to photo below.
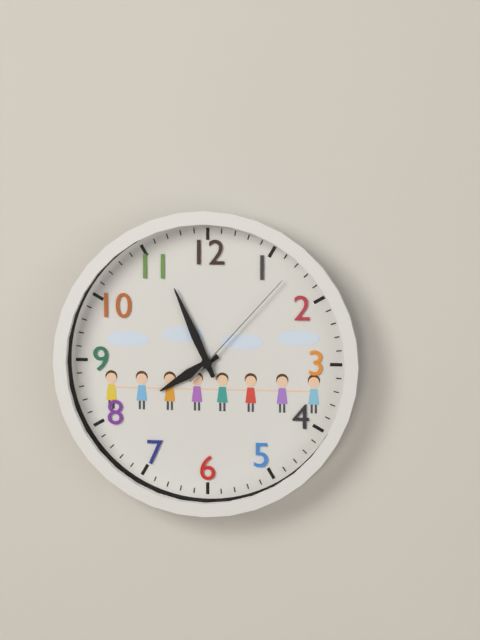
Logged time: 7,56,07
